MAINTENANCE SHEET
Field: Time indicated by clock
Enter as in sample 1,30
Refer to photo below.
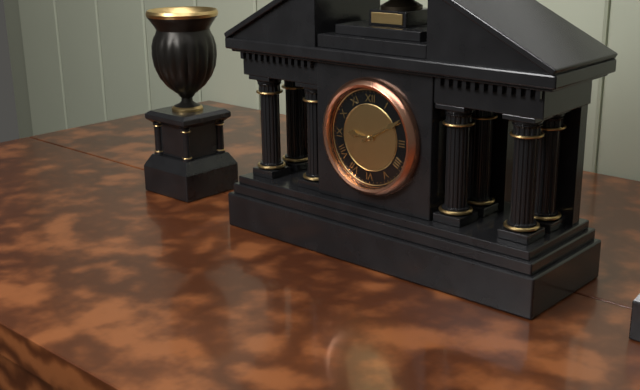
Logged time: 9,10
